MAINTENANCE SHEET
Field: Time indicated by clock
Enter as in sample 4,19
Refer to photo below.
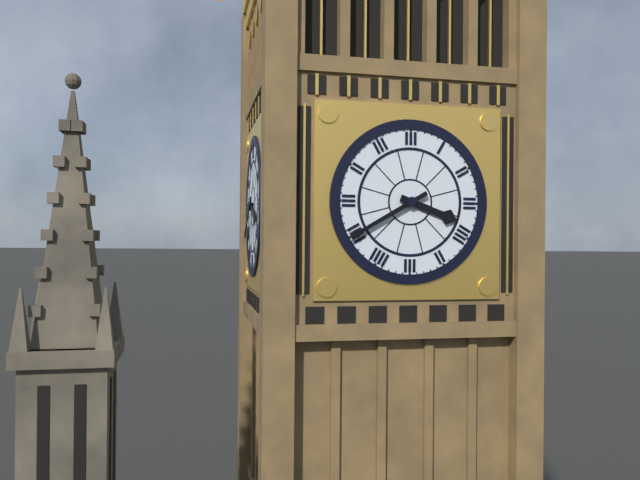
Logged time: 3,40
